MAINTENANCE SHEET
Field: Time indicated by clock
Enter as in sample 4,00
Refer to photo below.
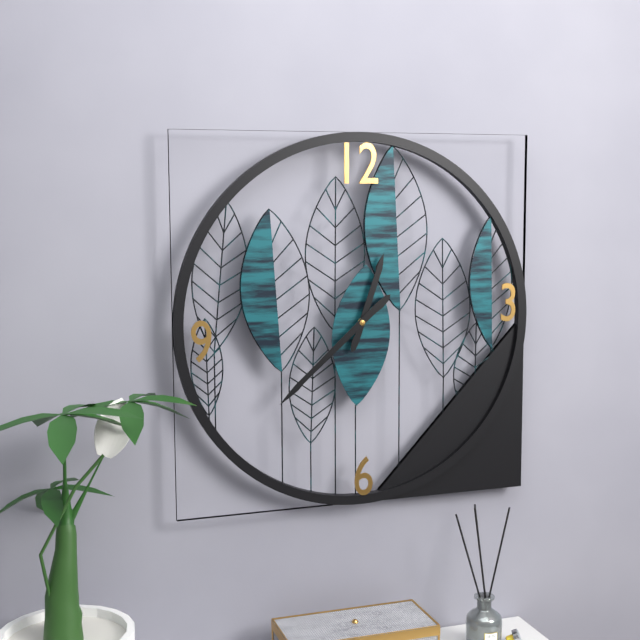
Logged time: 12,38
